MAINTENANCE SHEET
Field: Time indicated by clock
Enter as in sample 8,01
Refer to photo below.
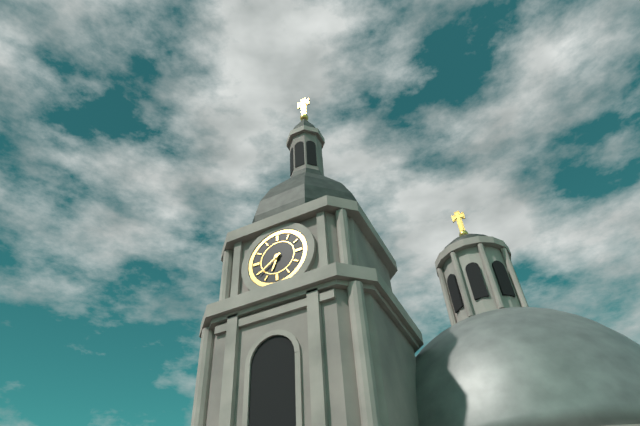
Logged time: 6,39
